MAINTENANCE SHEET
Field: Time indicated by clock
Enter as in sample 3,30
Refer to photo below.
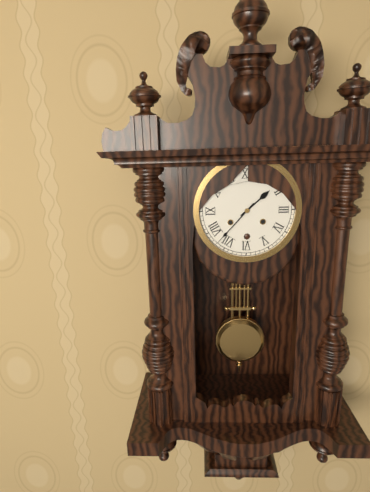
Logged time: 1,37
